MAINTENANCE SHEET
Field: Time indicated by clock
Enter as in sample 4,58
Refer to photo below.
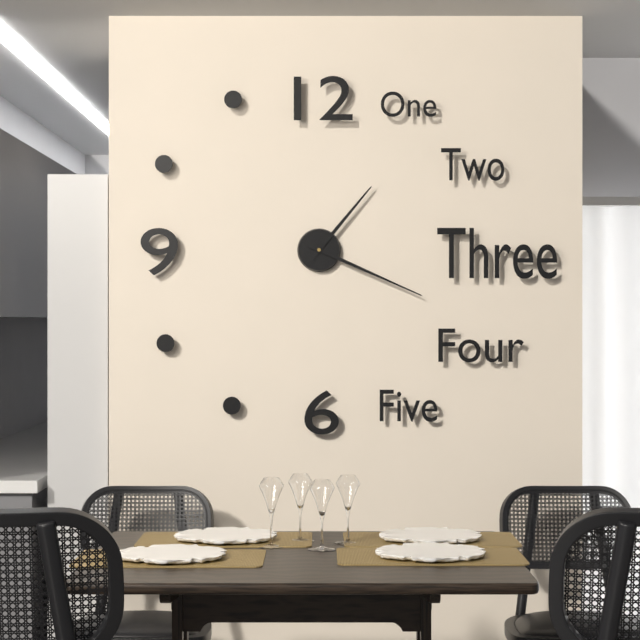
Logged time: 1,19
